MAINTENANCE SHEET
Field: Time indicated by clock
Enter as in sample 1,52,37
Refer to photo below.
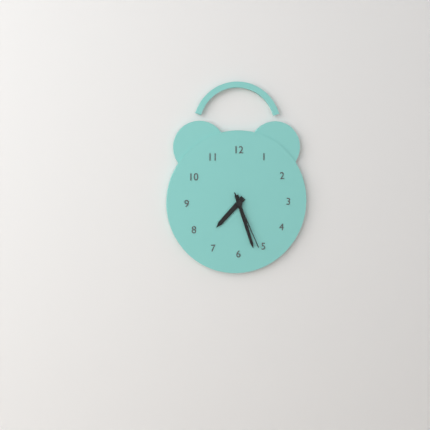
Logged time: 7,27,26
